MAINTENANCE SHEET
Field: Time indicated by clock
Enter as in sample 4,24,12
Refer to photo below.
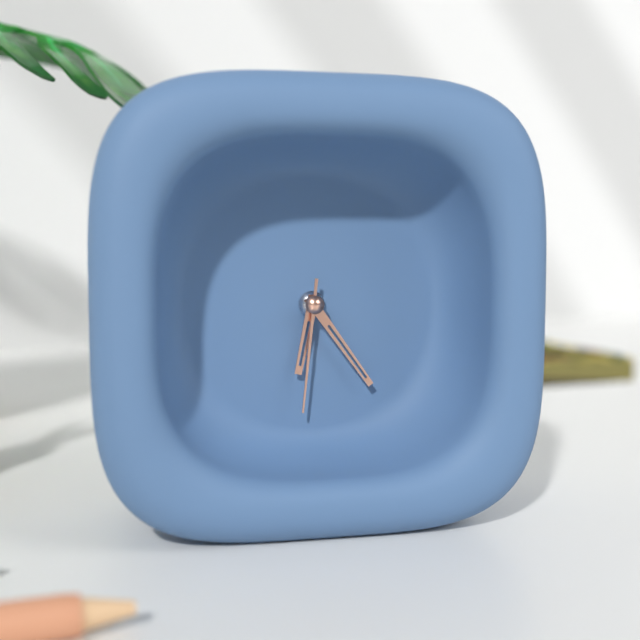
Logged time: 6,24,31
